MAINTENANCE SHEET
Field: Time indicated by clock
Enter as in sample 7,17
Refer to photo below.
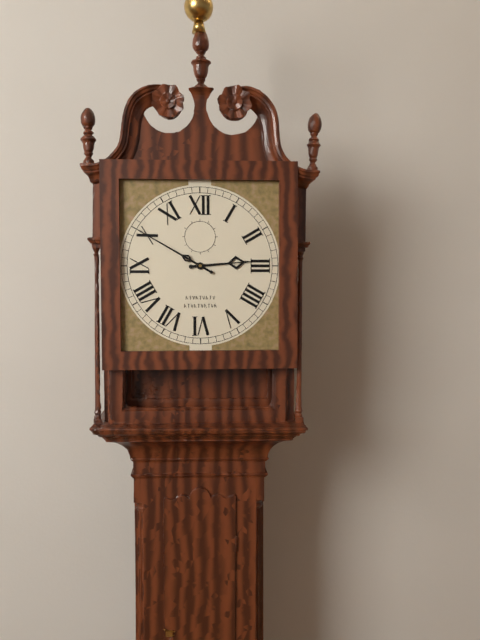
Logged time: 2,50
